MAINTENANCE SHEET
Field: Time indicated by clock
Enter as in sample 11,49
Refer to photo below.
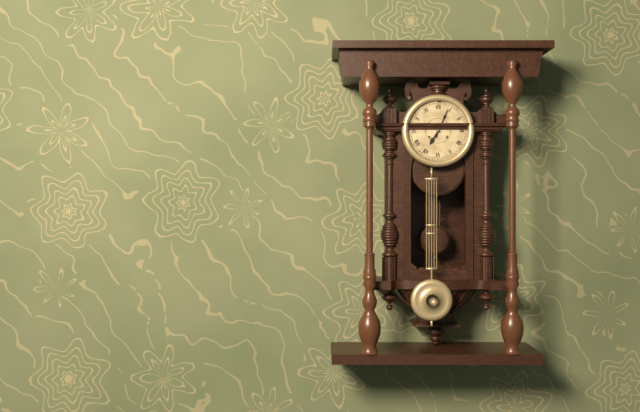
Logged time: 7,04
